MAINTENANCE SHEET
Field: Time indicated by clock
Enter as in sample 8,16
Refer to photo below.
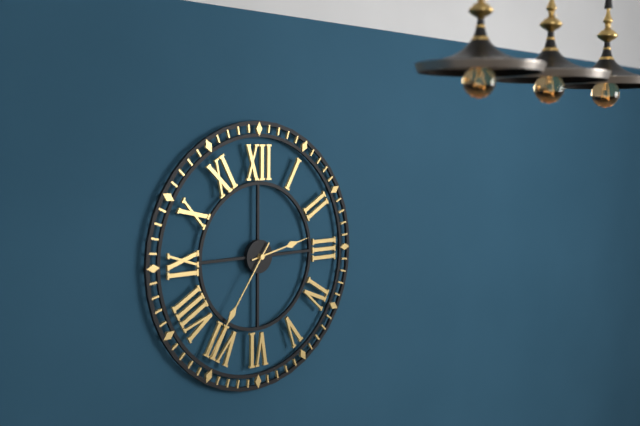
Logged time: 2,36
